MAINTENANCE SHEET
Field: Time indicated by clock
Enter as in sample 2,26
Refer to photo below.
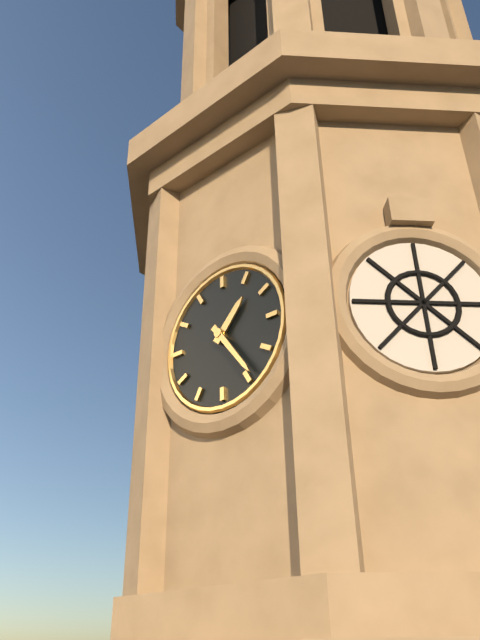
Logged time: 1,24
